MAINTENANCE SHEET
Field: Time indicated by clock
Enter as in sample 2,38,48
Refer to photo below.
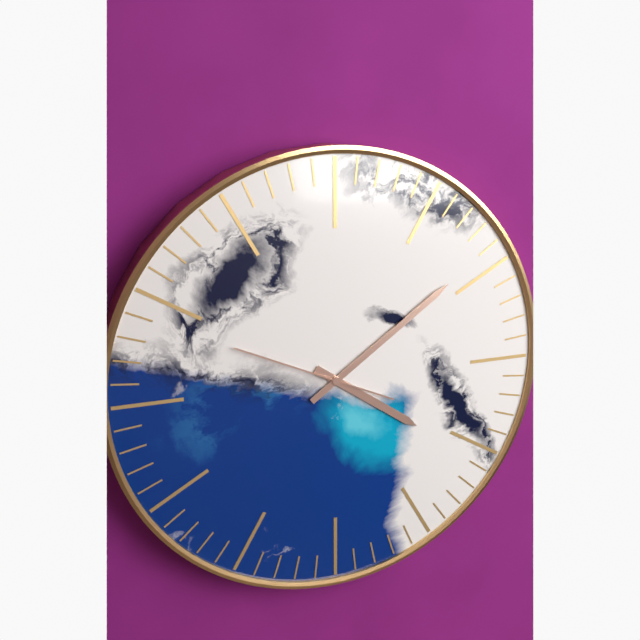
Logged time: 4,09,49
